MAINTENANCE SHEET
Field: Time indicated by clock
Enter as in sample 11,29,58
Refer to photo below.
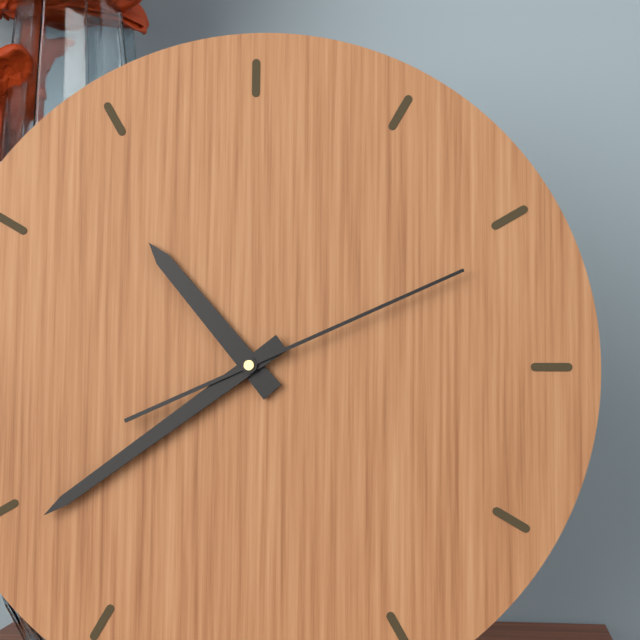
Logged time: 10,39,11
